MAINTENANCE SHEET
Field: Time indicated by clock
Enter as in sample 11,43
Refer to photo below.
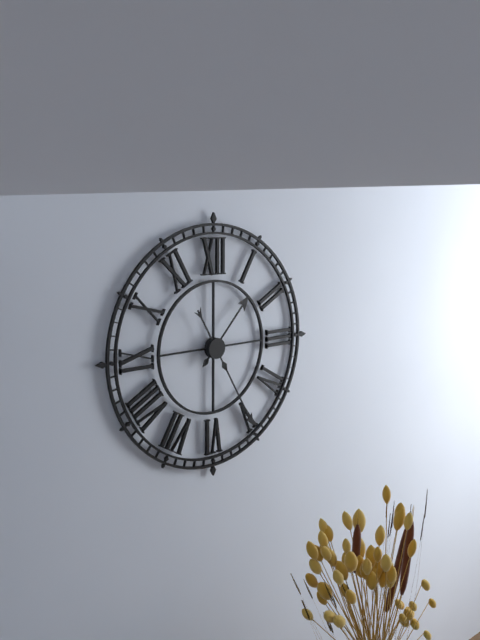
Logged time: 1,25
